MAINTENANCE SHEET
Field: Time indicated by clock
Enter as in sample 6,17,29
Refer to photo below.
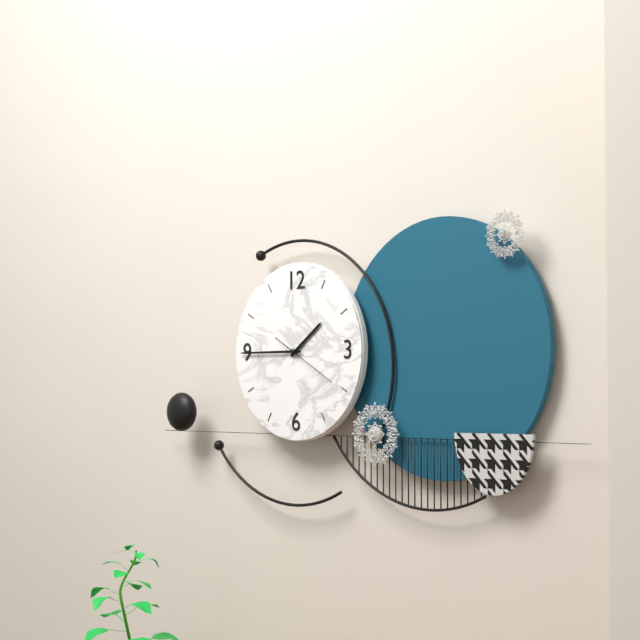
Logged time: 1,45,20
